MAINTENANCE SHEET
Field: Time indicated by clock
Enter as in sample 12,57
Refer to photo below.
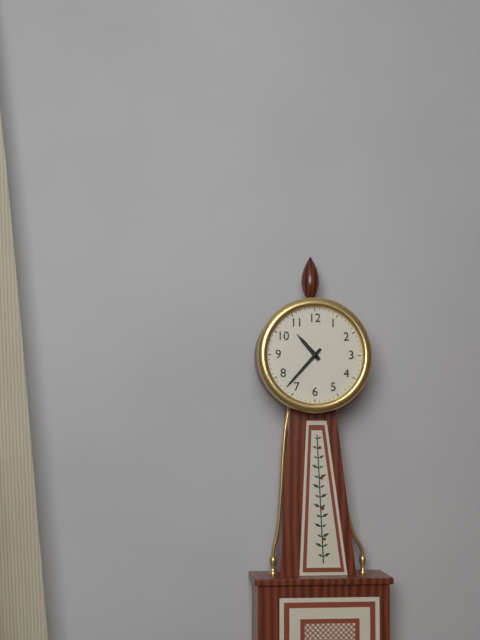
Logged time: 10,37
